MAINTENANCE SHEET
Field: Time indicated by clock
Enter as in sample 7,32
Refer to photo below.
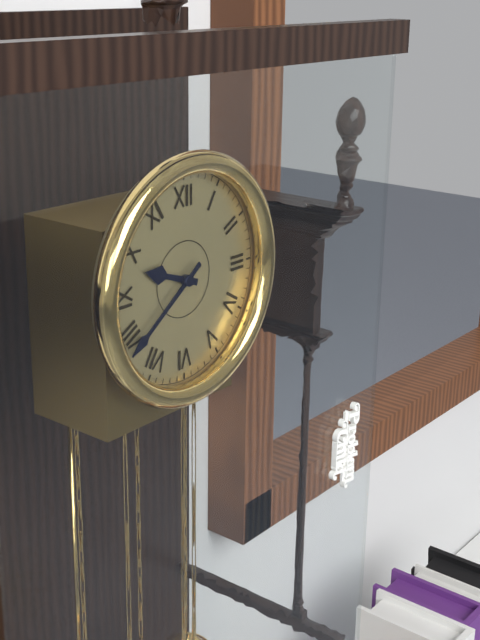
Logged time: 9,39
